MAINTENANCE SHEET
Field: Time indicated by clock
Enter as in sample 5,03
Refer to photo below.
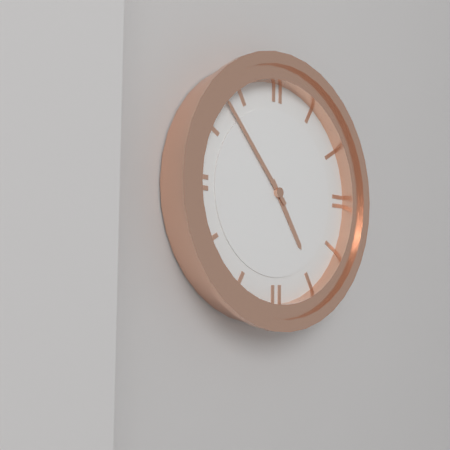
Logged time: 4,53
